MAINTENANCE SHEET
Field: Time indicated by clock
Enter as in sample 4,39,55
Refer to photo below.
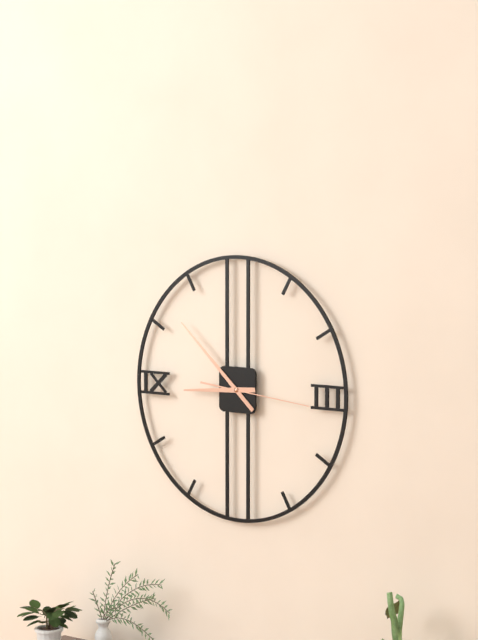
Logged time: 8,52,16
